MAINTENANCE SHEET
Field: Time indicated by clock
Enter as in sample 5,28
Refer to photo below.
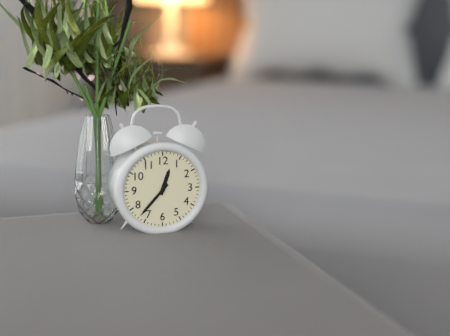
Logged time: 12,37
